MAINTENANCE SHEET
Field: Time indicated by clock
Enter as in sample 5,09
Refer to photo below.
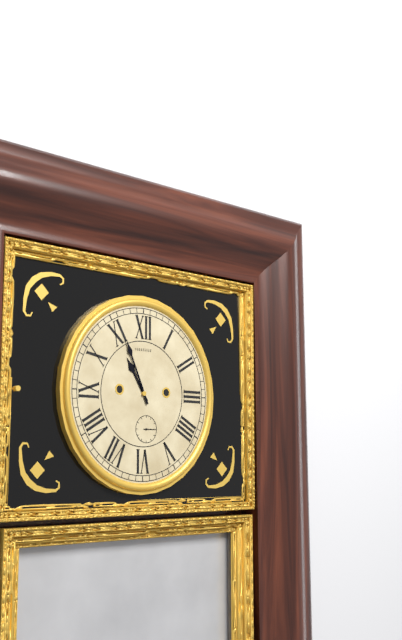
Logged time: 10,56
